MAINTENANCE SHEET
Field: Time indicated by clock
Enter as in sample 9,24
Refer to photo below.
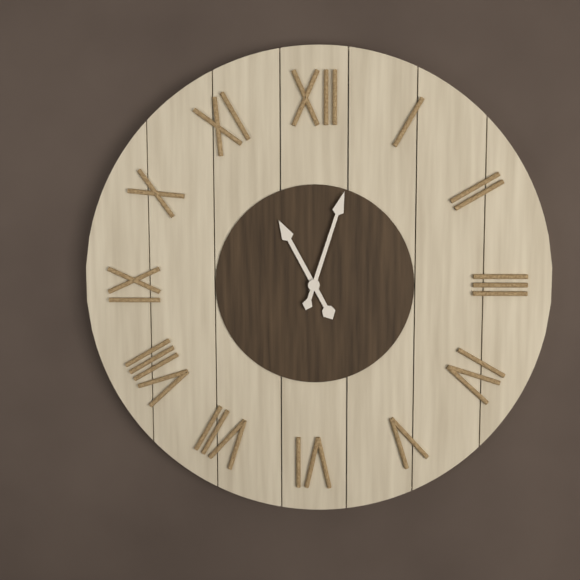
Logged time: 11,03
